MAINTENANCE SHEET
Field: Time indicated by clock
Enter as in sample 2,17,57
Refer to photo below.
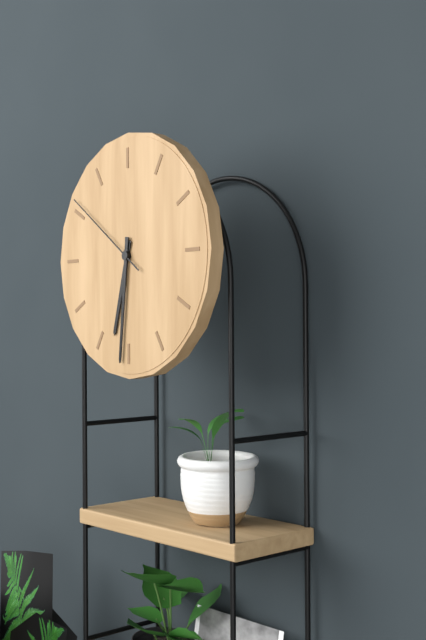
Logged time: 6,31,51
